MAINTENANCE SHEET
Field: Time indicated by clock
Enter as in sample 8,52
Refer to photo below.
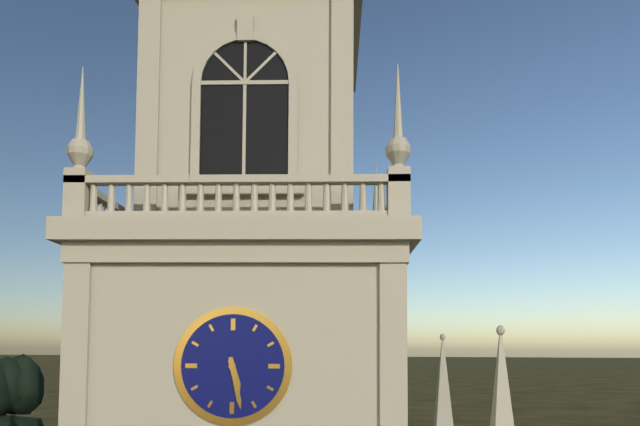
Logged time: 5,28
